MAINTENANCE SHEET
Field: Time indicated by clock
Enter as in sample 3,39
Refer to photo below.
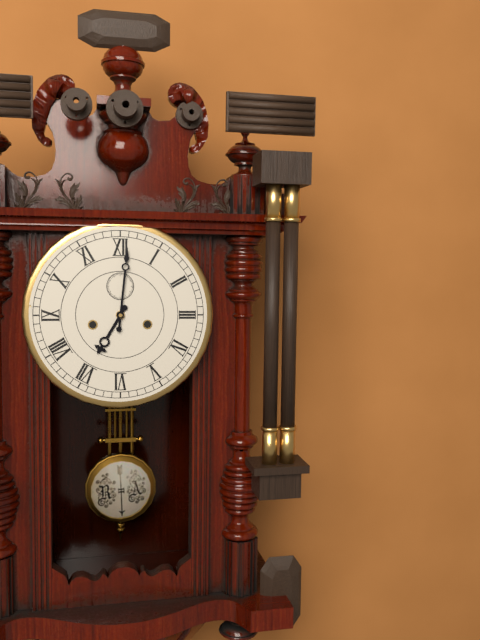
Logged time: 7,01
